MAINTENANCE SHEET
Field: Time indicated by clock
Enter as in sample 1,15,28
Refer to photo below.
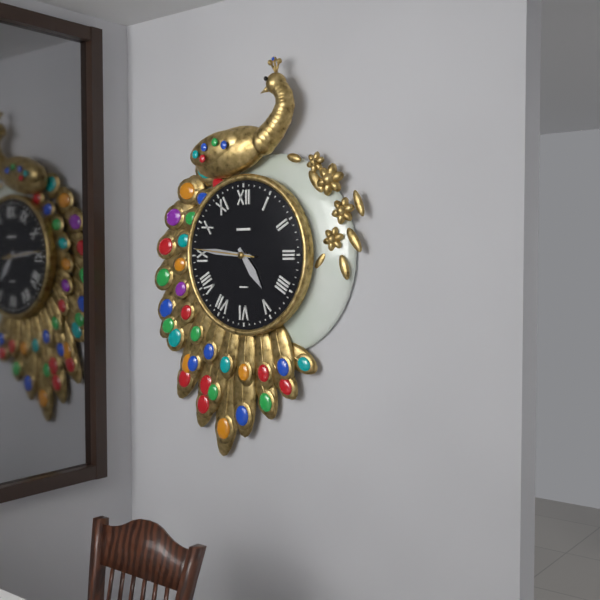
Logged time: 4,46,46
